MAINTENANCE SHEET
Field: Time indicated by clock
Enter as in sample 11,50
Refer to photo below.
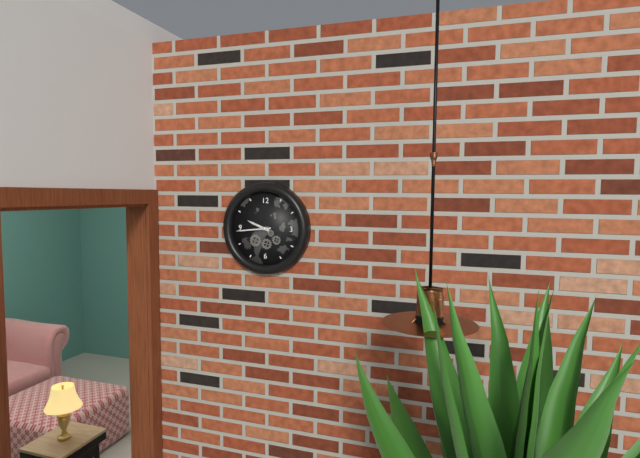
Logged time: 9,44
